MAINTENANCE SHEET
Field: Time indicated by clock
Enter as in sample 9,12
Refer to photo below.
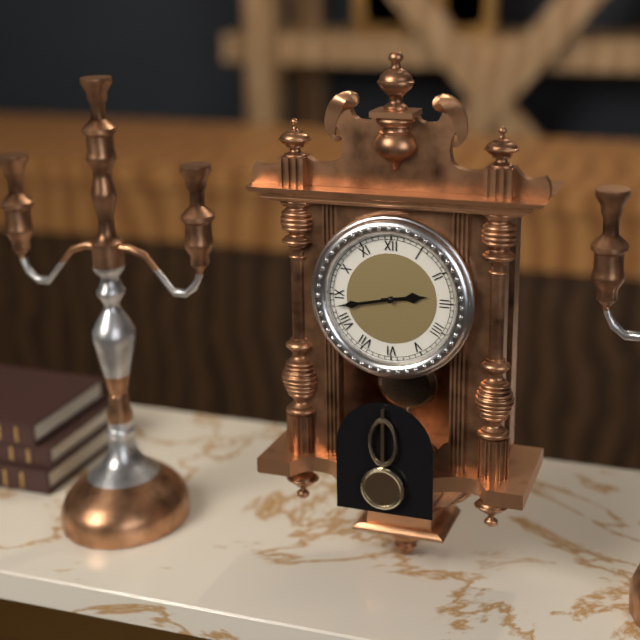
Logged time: 2,43
